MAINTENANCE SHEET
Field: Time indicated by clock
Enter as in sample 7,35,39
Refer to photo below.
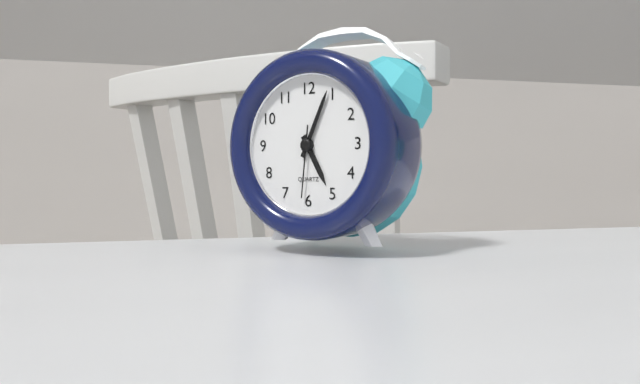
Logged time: 5,04,31
